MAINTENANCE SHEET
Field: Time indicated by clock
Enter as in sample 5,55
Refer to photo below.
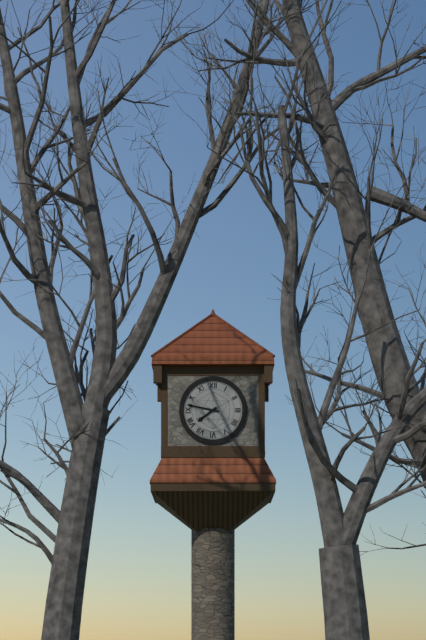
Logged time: 7,47
